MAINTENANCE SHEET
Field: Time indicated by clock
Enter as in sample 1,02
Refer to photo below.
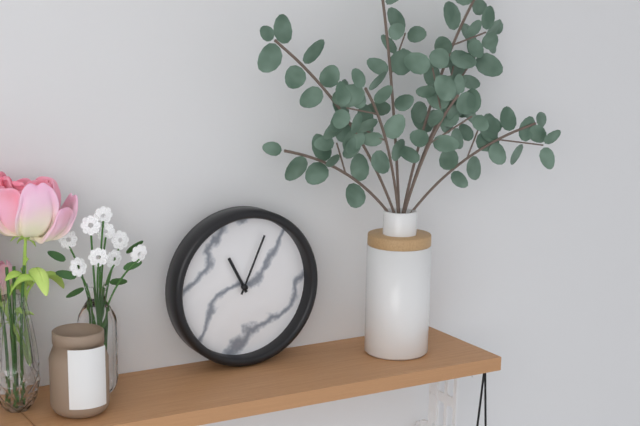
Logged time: 11,04
